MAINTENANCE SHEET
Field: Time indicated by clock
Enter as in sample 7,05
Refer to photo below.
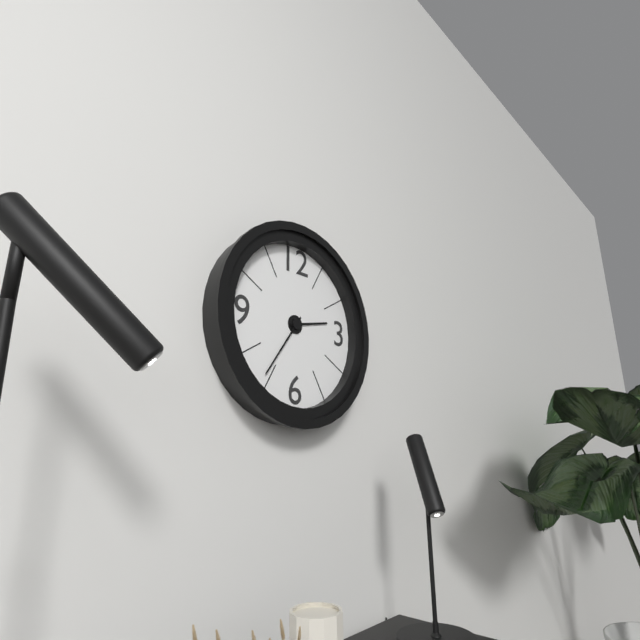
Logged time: 2,36
